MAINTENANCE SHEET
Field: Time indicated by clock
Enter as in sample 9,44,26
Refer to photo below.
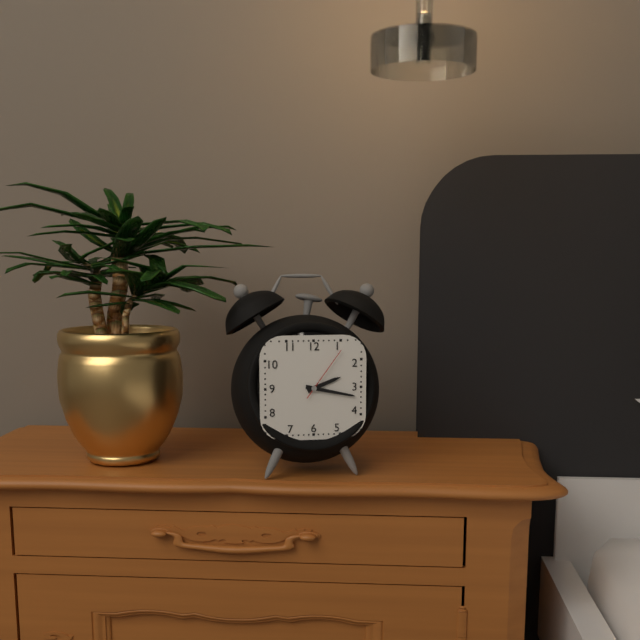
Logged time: 2,17,06
